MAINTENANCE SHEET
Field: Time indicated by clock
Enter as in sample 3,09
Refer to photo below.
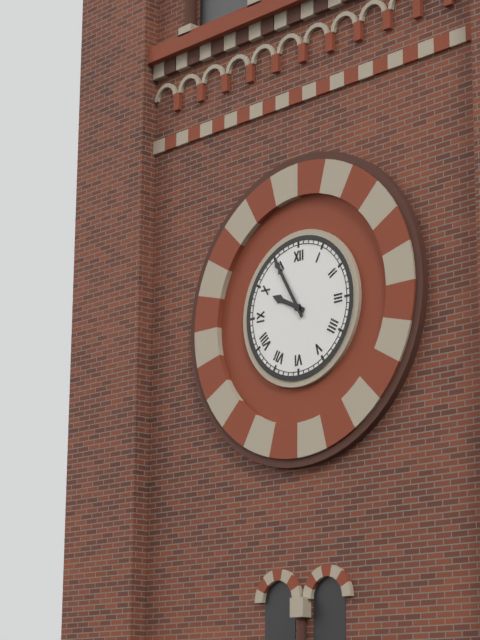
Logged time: 9,55
